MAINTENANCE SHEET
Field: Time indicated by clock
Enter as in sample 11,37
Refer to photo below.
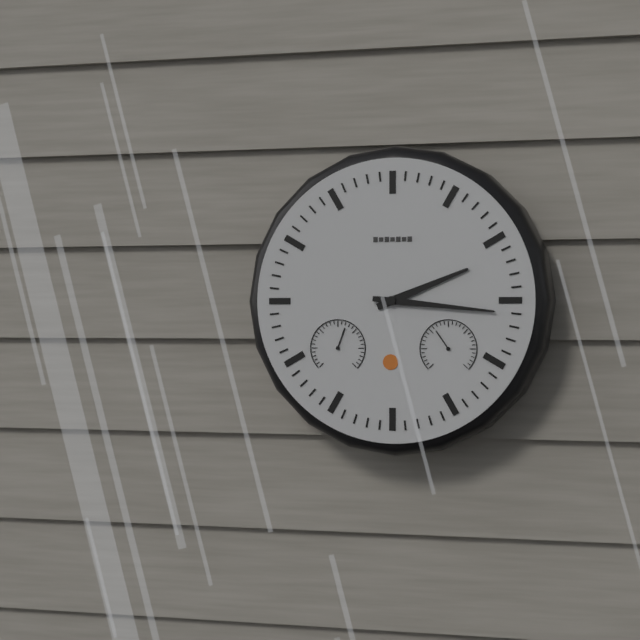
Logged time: 2,16
